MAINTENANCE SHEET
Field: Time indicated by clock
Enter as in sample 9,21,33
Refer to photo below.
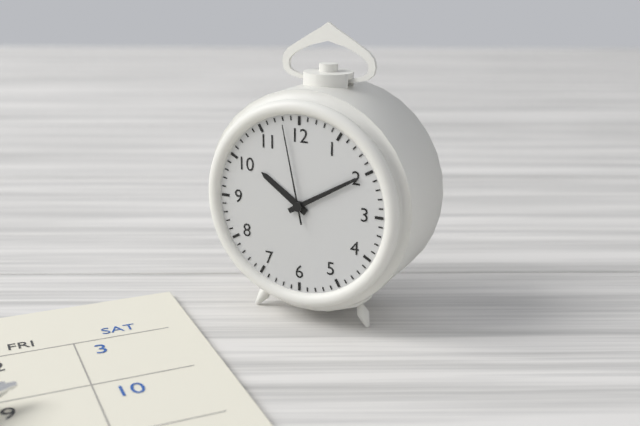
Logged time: 10,10,58
